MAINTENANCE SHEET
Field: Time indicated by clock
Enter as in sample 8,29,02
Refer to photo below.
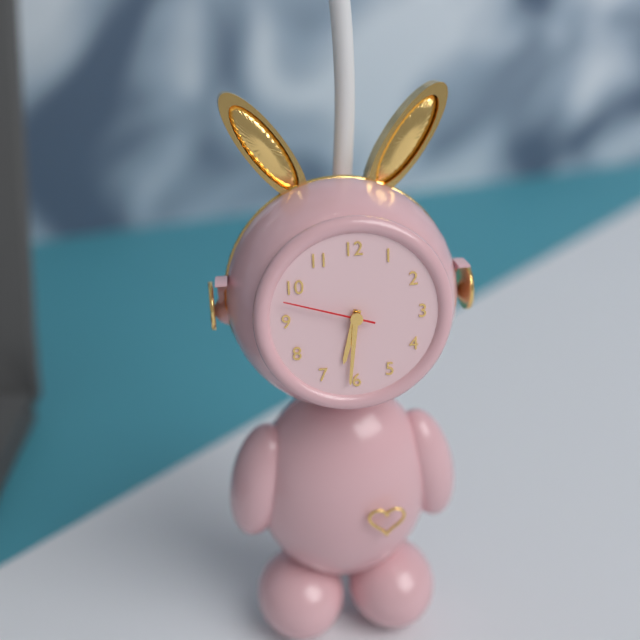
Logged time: 6,31,48
